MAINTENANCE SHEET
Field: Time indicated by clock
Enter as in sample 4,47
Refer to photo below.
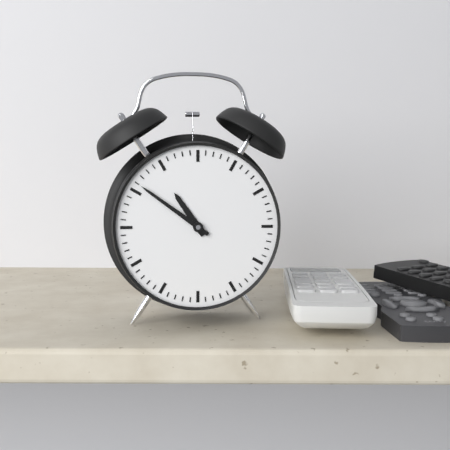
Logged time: 10,51
